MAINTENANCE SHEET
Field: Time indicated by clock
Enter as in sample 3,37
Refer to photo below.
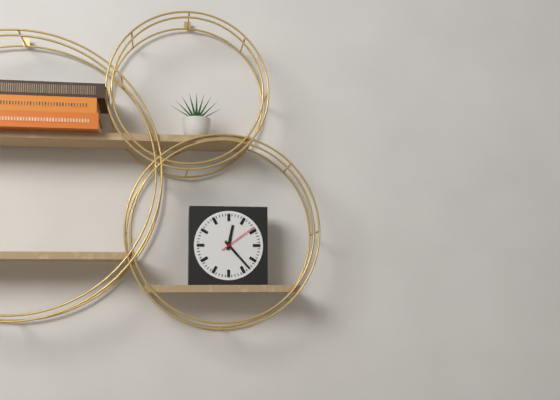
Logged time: 12,23
